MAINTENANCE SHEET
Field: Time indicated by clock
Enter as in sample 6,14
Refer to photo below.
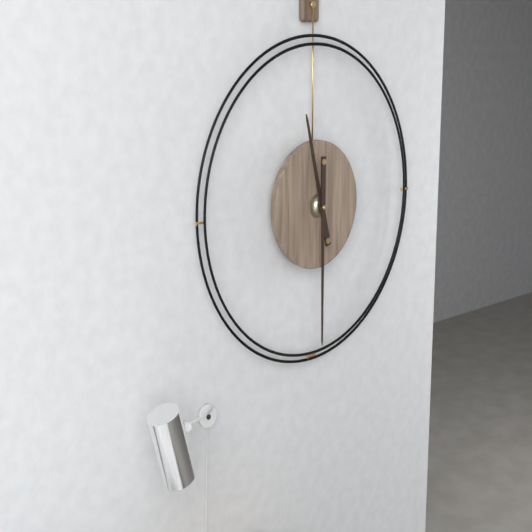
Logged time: 11,30
